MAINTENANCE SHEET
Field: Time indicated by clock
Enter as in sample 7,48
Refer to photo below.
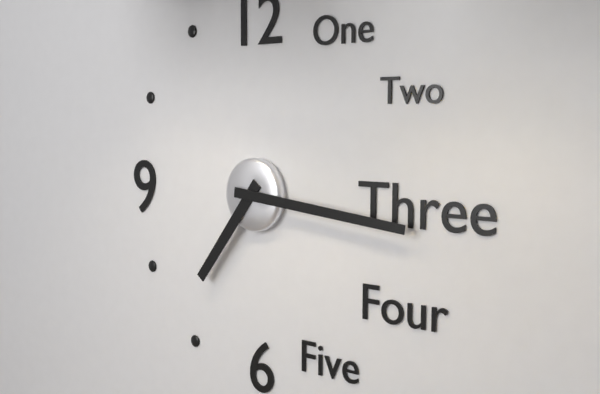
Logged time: 7,16
